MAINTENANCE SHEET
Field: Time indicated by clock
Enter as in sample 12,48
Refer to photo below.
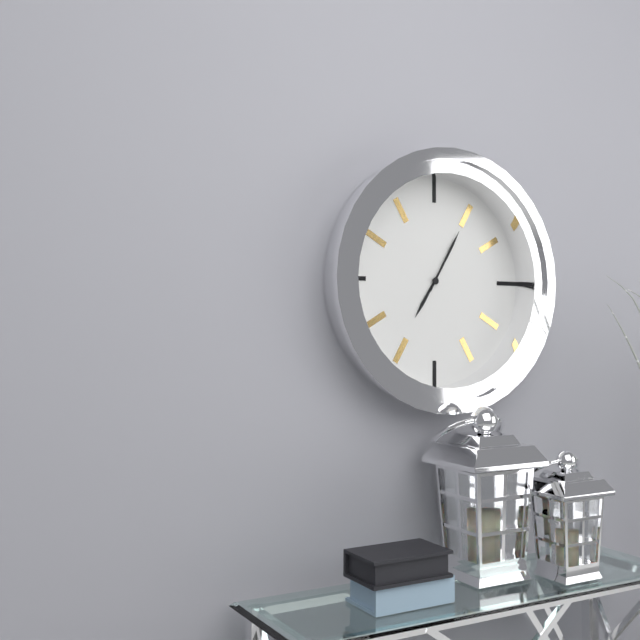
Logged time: 7,05
